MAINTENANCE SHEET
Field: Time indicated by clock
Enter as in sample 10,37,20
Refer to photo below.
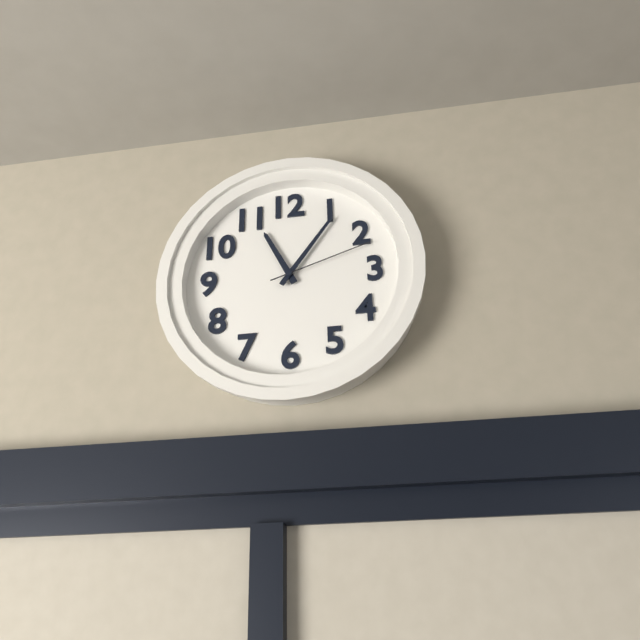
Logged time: 11,06,12
